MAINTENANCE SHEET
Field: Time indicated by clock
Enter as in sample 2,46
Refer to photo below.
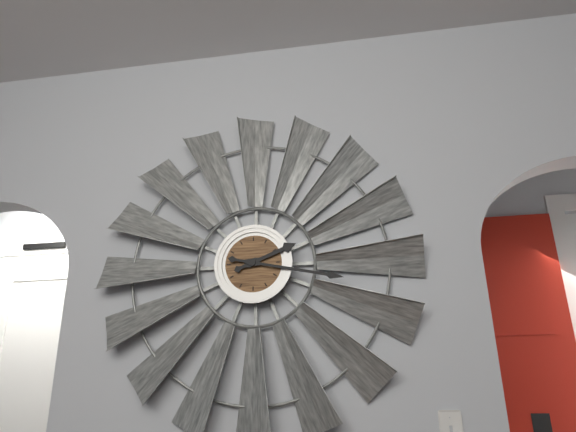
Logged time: 2,17
